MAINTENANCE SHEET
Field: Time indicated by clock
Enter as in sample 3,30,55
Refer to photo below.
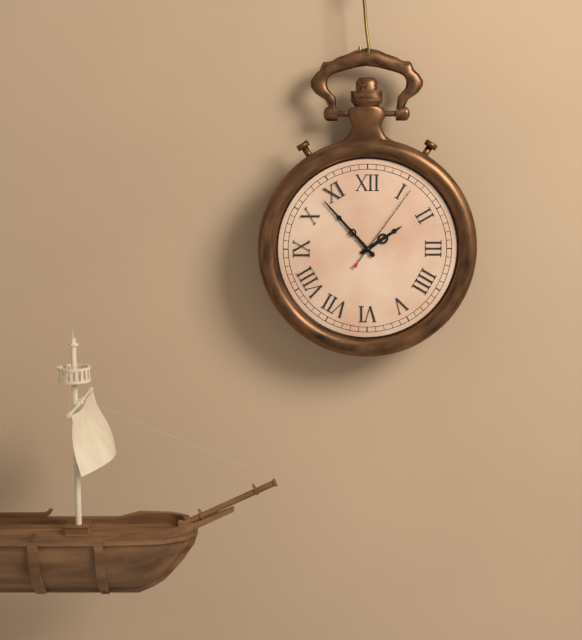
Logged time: 1,53,06
